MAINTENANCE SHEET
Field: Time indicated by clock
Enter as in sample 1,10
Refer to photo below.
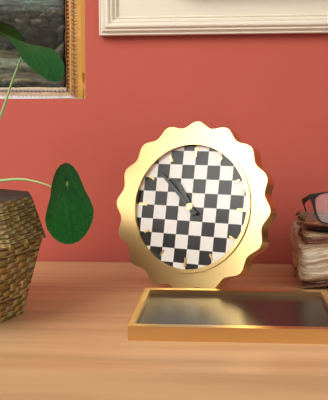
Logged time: 10,52
